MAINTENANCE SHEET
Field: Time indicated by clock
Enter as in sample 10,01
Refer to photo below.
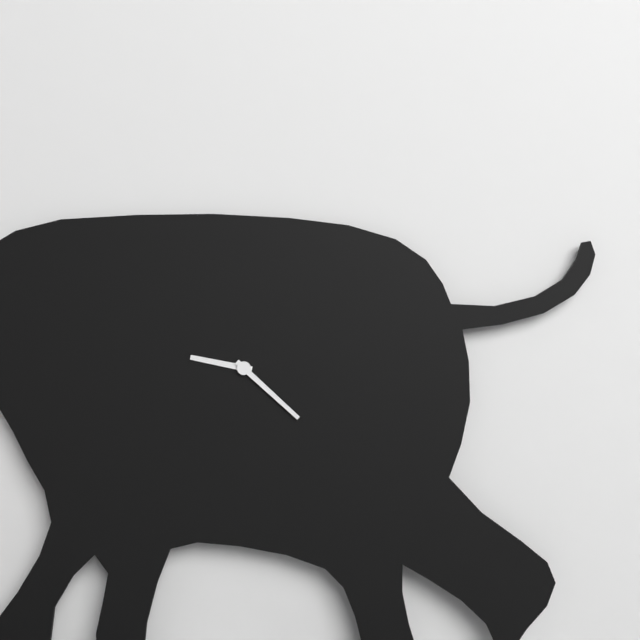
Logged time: 9,22
